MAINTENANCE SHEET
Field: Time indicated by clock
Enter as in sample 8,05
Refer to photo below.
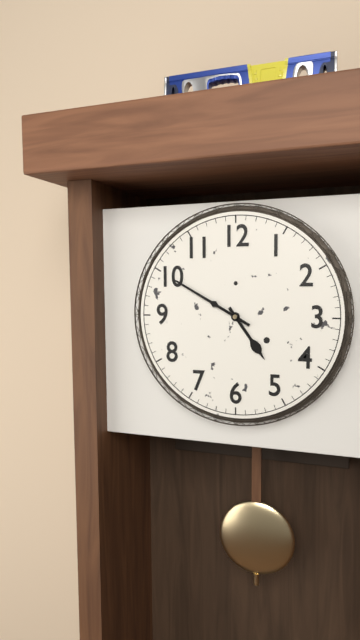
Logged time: 4,50
